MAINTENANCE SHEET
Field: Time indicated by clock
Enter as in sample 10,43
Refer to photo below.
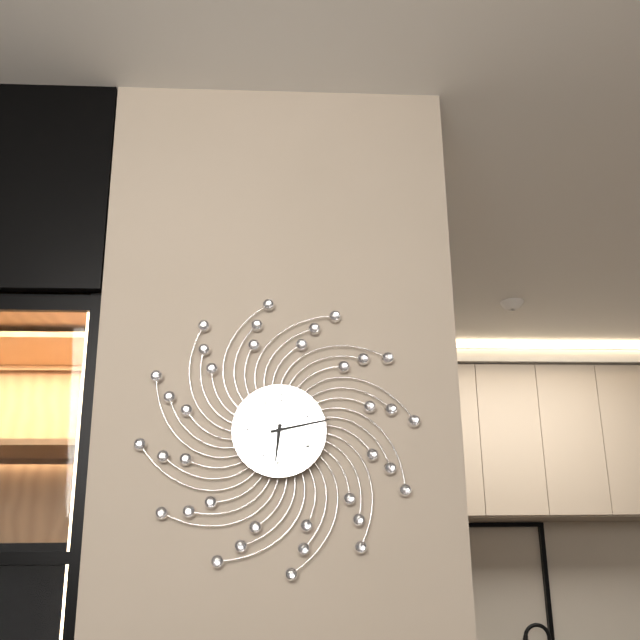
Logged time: 6,13
